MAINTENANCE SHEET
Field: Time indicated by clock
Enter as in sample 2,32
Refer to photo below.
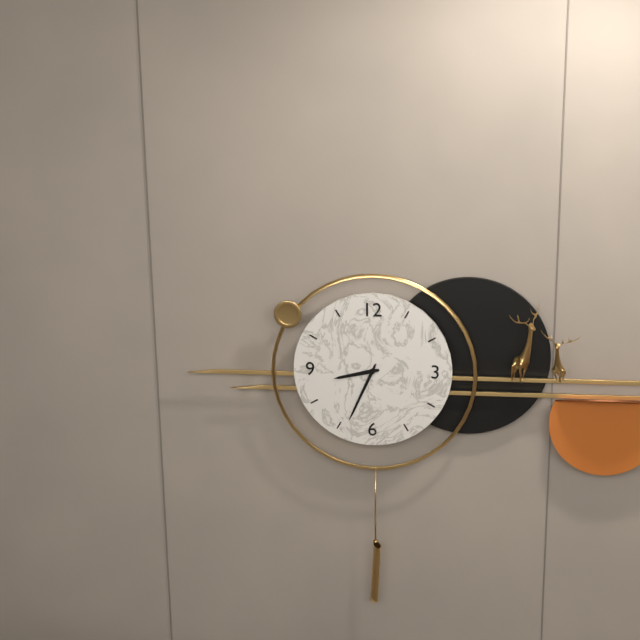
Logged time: 8,34
